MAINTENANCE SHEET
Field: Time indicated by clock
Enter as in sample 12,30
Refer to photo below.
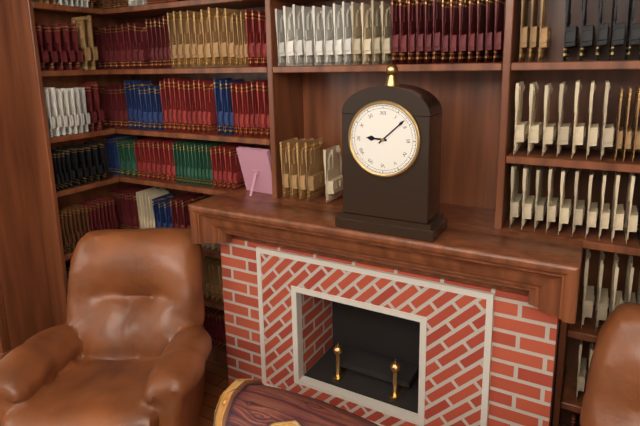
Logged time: 9,08
